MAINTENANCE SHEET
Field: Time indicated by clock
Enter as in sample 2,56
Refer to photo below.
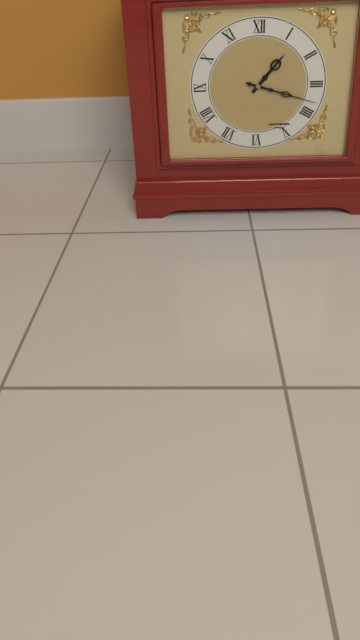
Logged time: 1,18
